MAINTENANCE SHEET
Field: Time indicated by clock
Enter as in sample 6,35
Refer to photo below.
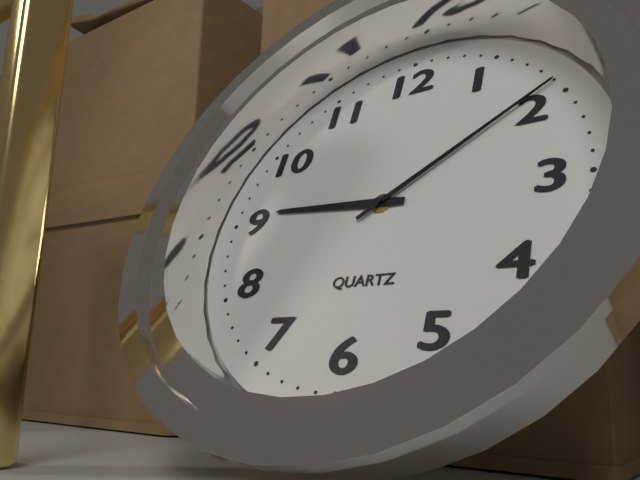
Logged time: 9,09
